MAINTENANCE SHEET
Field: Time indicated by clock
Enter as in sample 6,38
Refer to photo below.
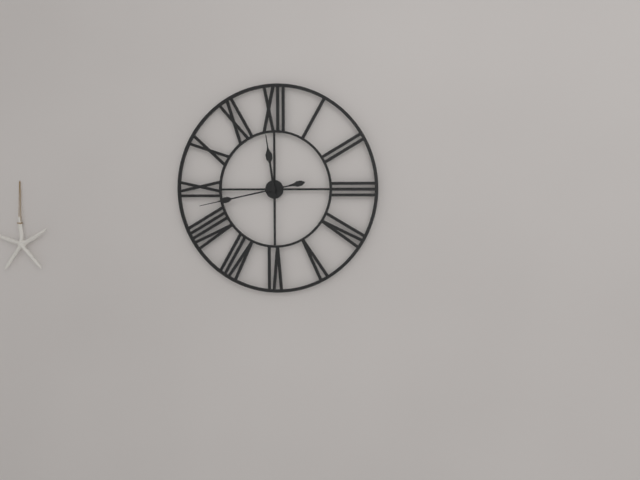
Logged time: 11,43
